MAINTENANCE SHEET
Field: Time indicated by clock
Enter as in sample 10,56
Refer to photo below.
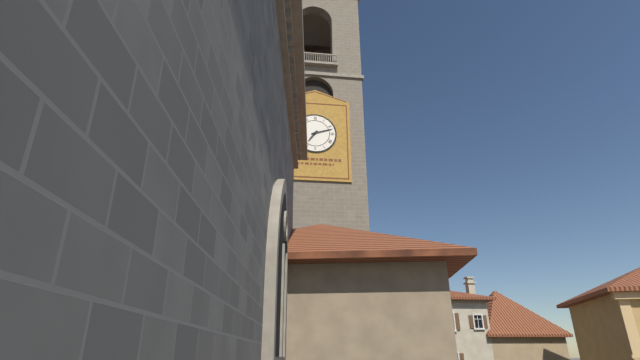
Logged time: 7,12
